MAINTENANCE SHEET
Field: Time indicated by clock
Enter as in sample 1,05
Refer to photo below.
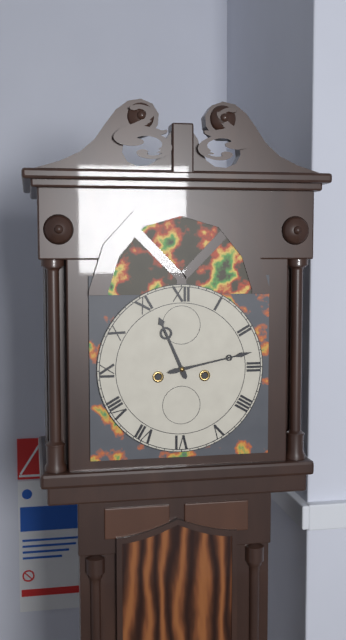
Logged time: 11,13
